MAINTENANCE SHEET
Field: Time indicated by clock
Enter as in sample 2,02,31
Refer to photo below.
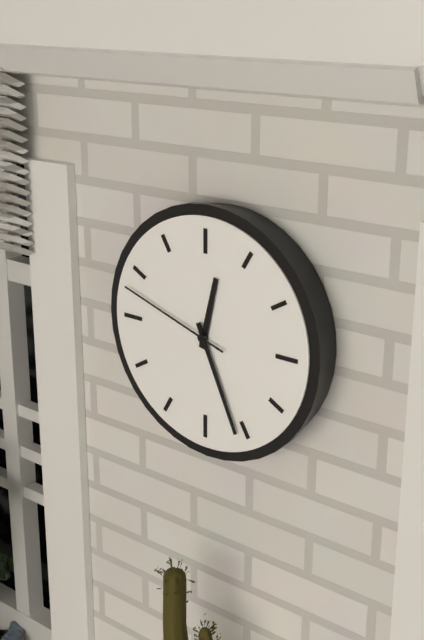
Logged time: 12,26,48
